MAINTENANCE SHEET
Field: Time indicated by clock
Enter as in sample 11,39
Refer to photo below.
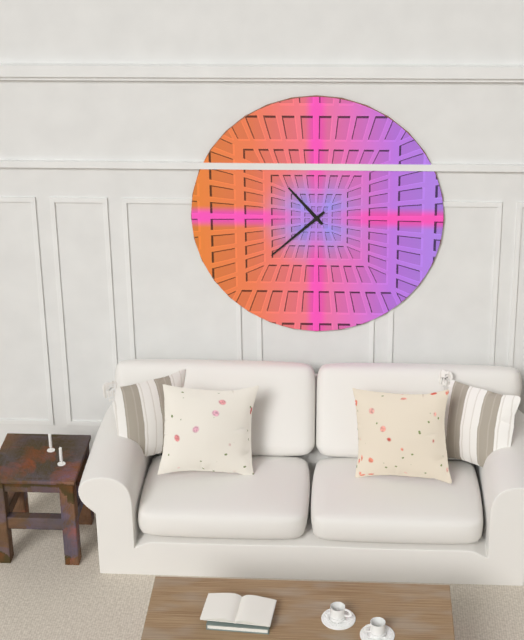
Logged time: 10,38
